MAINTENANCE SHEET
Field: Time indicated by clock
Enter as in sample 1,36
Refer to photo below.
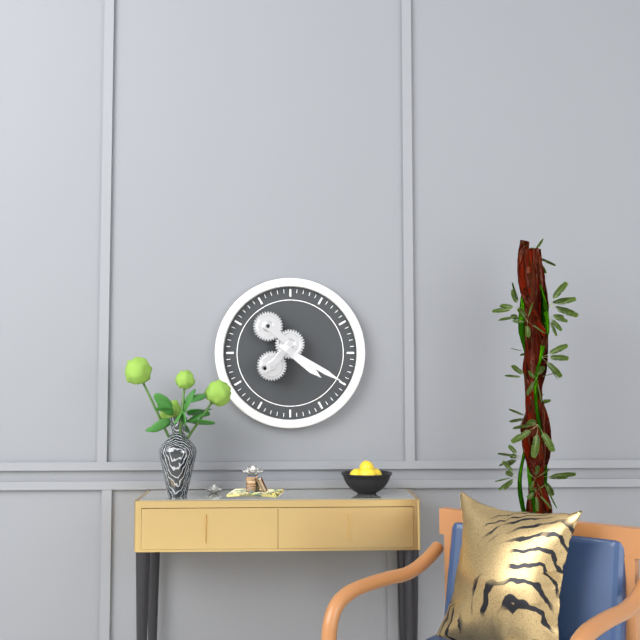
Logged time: 4,20
